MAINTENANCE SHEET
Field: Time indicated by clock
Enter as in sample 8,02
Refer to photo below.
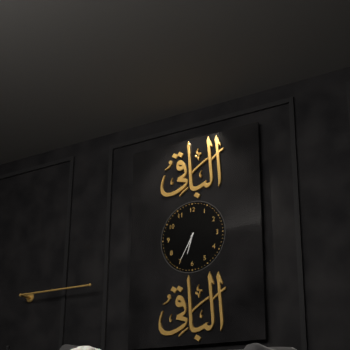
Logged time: 6,35
